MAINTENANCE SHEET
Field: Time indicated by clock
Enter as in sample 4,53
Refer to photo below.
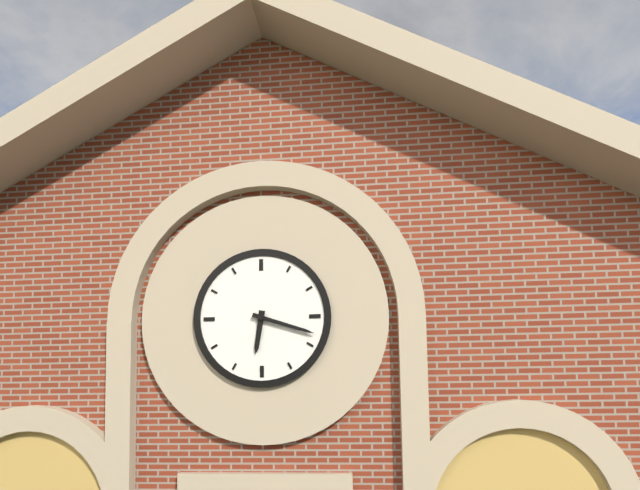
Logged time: 6,18
